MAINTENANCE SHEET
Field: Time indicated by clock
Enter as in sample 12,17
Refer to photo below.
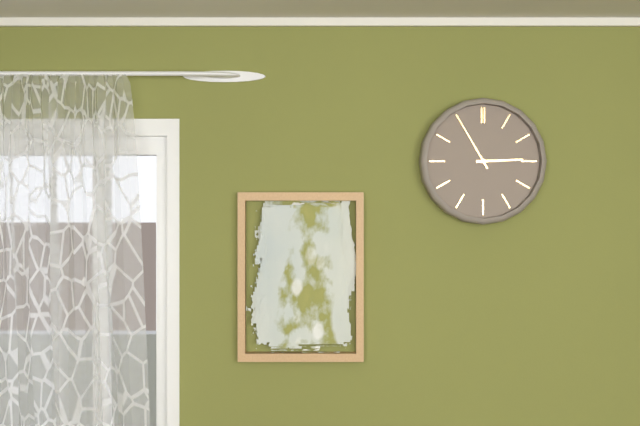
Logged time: 2,55
